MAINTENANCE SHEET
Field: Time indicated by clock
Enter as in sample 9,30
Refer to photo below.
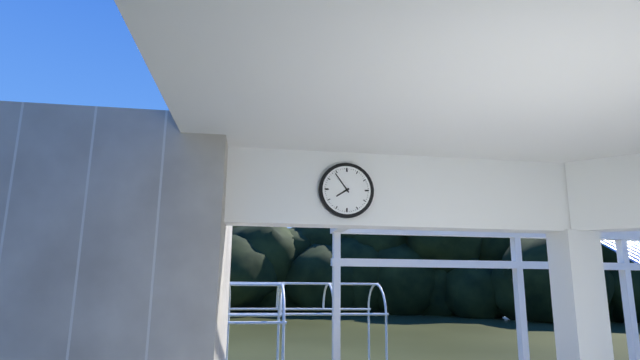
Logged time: 7,54
